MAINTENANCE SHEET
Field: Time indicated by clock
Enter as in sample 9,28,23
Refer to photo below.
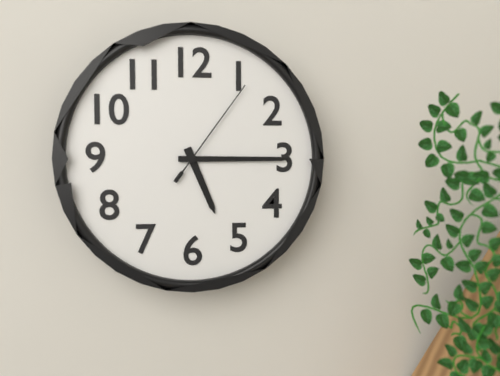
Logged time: 5,15,06
